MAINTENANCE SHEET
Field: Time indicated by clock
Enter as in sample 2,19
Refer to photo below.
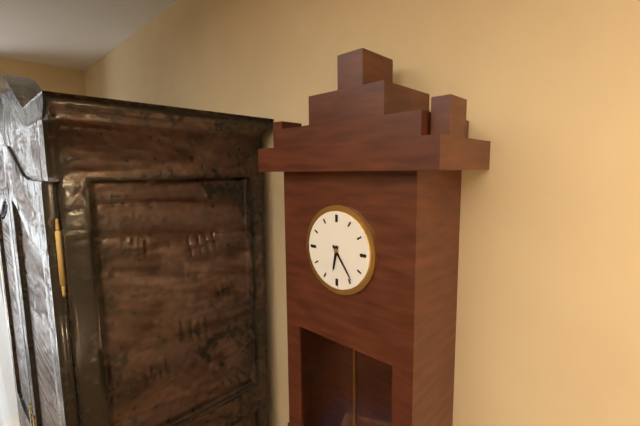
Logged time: 6,24
